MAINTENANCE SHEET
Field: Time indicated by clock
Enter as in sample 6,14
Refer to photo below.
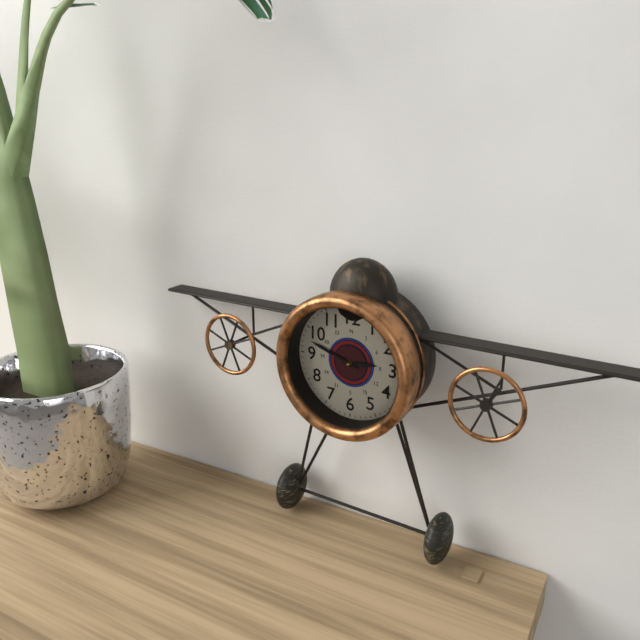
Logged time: 2,48
